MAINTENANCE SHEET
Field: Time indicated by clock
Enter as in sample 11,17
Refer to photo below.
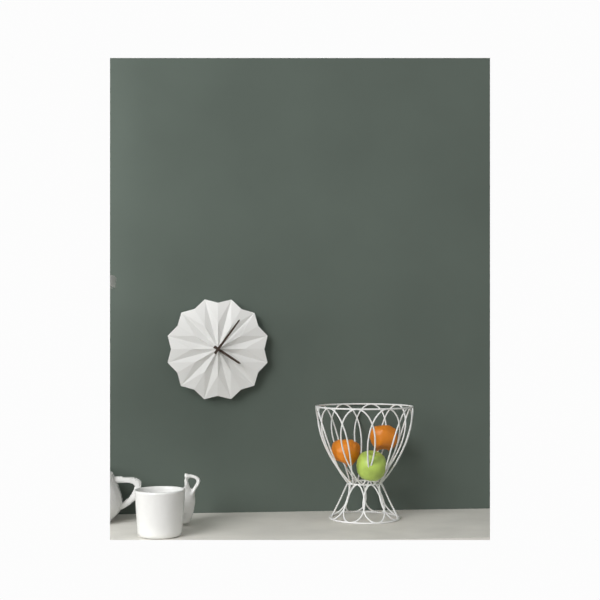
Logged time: 4,06
